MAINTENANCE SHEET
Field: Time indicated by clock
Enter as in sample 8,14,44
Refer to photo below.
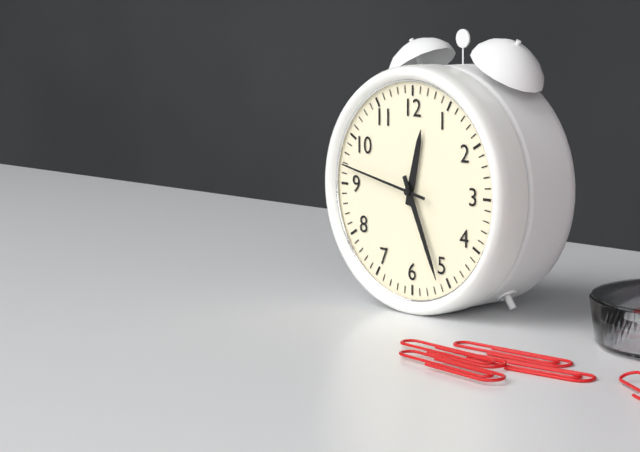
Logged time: 12,26,47
